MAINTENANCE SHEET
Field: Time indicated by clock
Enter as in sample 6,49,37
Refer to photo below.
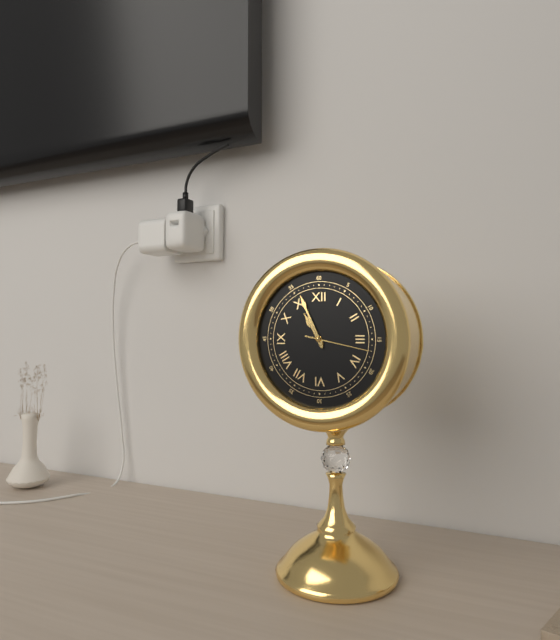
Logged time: 10,56,17
